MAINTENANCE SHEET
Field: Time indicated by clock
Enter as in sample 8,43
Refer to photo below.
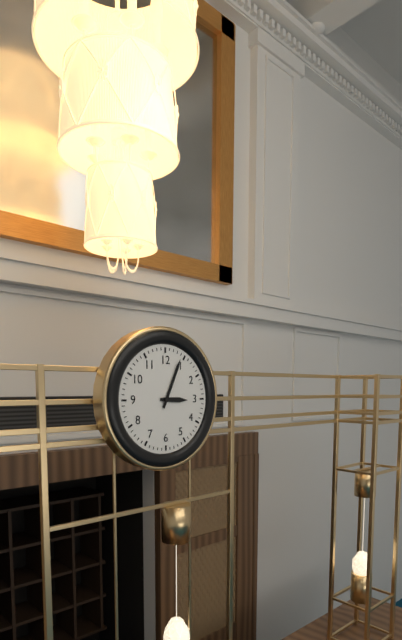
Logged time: 3,04
